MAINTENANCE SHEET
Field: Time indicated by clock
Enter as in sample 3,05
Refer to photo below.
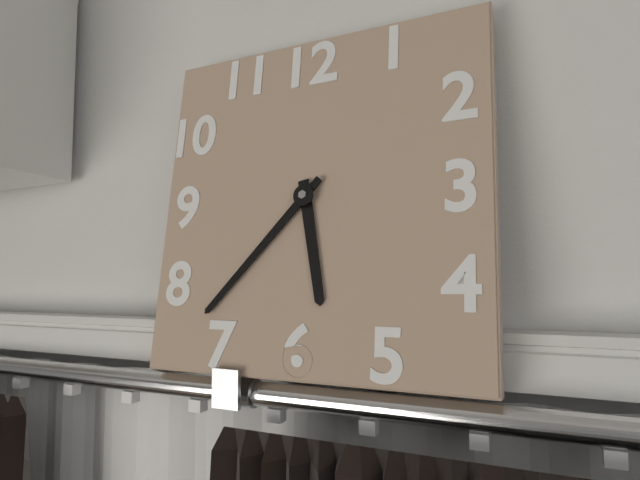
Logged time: 5,37
